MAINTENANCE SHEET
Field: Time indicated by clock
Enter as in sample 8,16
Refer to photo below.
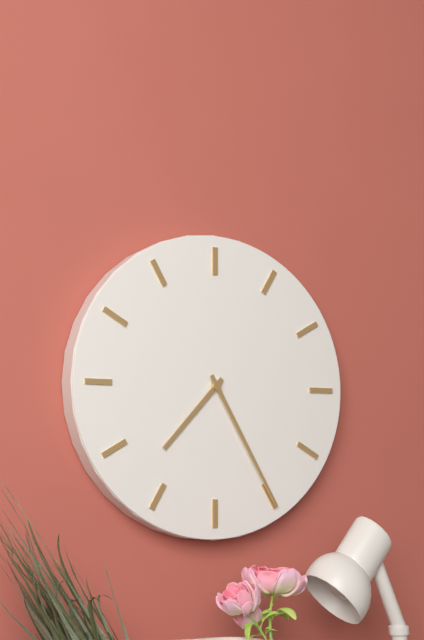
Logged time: 7,25
